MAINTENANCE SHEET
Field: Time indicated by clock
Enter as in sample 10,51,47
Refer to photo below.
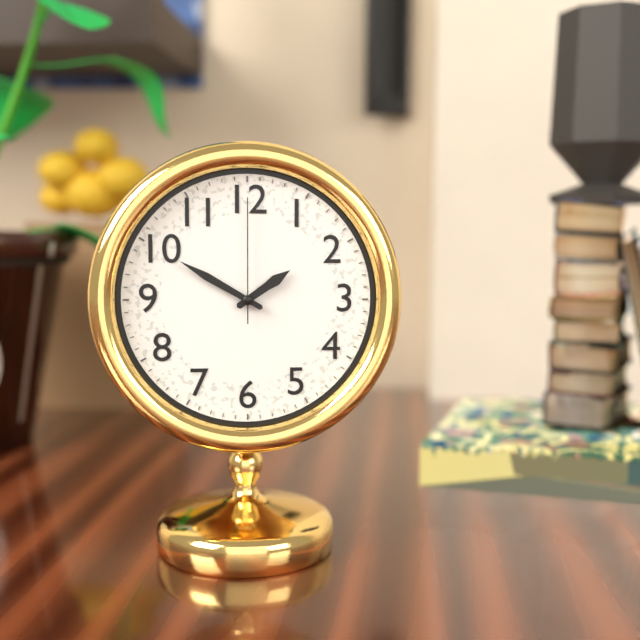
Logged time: 1,50,00
